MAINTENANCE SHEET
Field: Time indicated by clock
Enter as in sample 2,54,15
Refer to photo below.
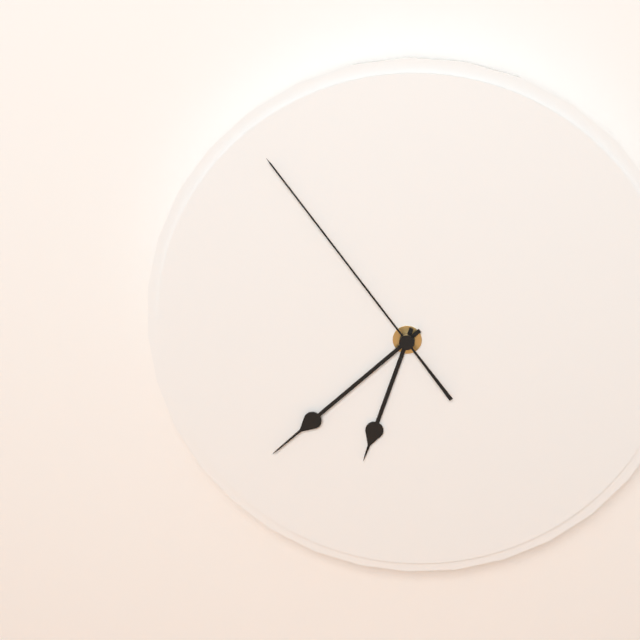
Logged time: 6,38,54
